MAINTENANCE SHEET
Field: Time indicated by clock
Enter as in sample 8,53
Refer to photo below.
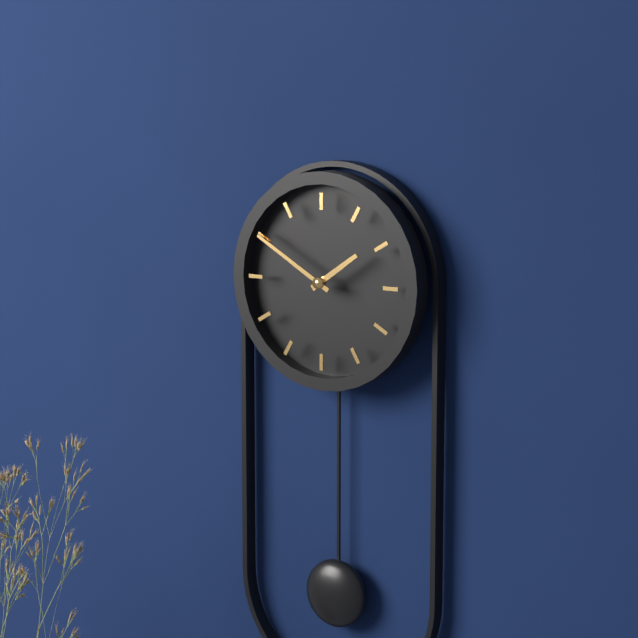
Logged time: 1,50
